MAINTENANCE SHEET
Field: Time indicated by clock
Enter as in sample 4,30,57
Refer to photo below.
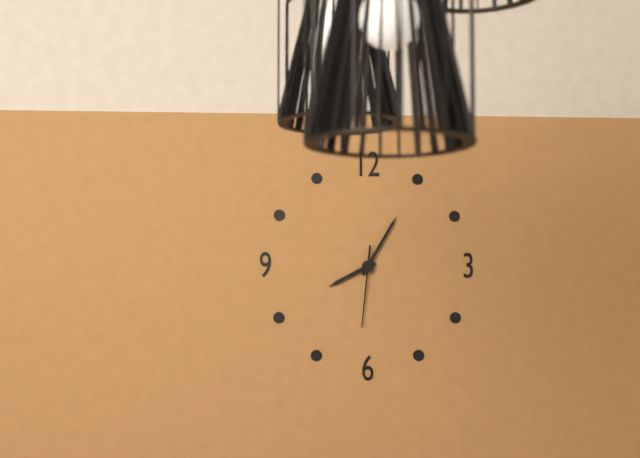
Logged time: 8,05,31
